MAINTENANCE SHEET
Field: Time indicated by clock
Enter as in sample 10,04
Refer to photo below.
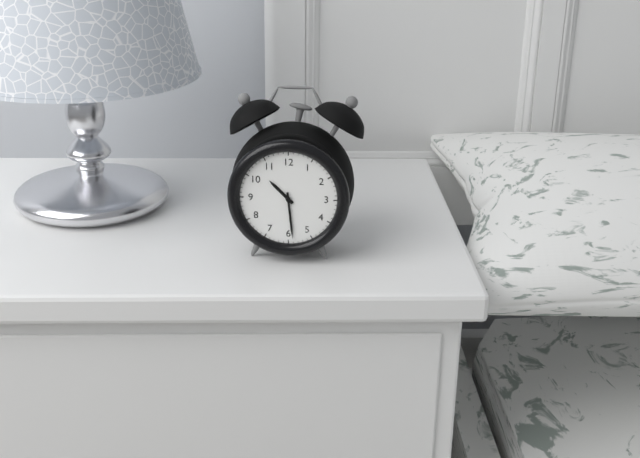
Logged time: 10,29
